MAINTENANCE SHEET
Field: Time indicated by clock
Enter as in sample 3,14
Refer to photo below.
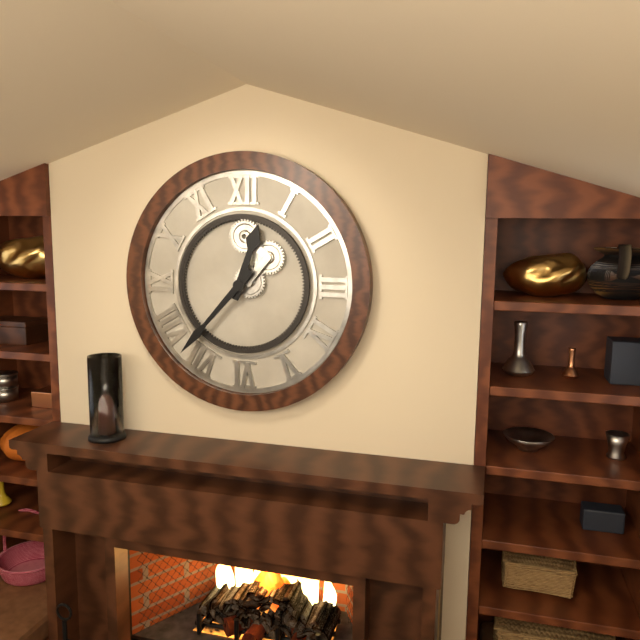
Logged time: 12,37
